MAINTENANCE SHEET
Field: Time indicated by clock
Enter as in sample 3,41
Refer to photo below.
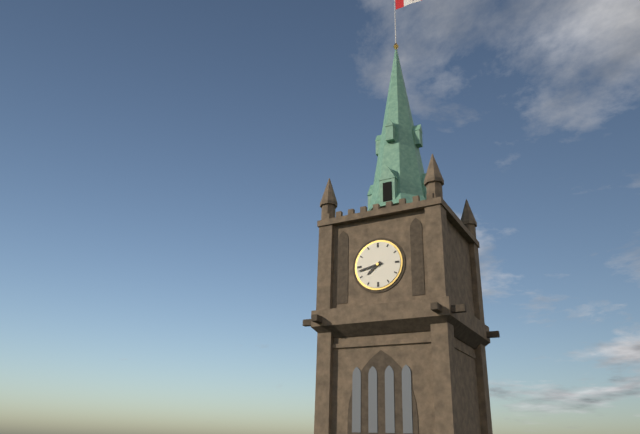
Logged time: 7,43
